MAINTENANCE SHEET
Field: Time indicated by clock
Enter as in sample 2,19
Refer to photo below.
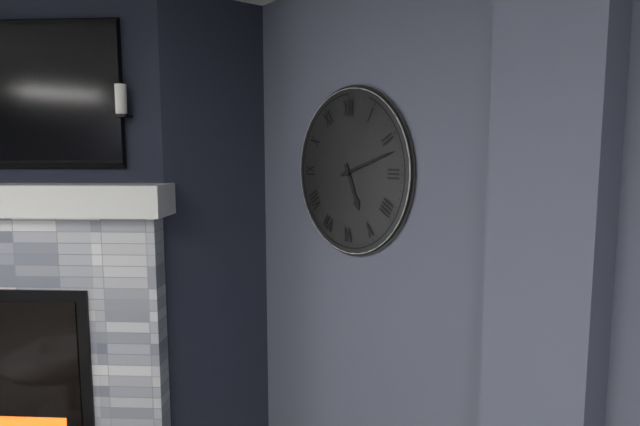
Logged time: 5,12
